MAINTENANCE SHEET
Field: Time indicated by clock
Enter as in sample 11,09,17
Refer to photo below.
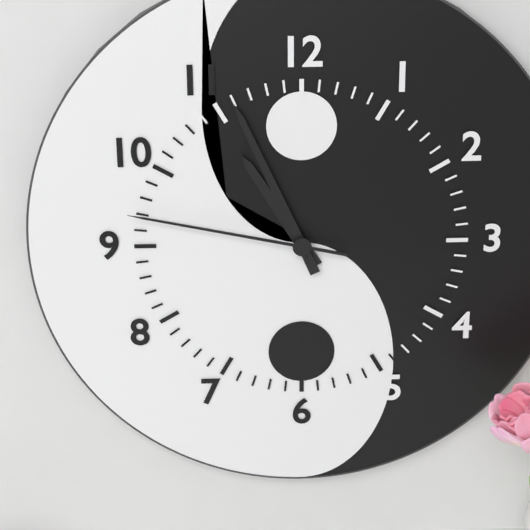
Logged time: 10,56,47
